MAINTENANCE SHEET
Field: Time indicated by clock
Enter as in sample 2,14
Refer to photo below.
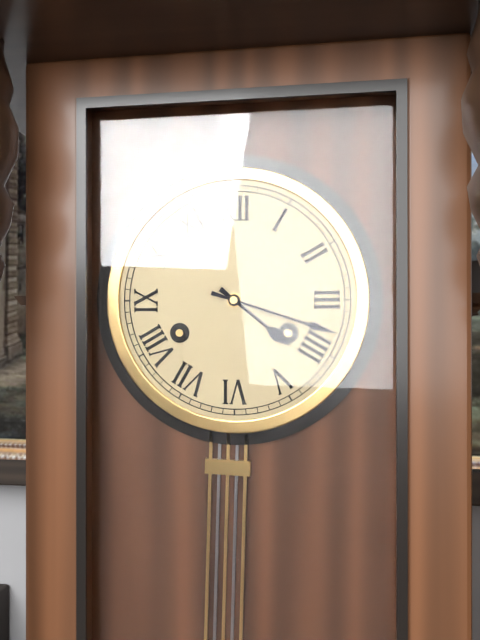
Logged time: 4,18
